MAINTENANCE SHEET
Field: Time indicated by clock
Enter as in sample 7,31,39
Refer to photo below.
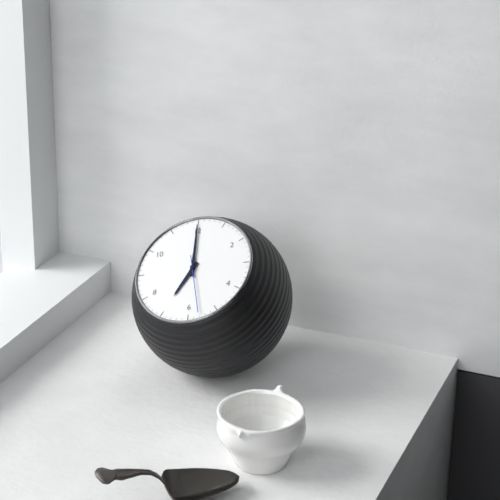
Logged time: 7,00,28
